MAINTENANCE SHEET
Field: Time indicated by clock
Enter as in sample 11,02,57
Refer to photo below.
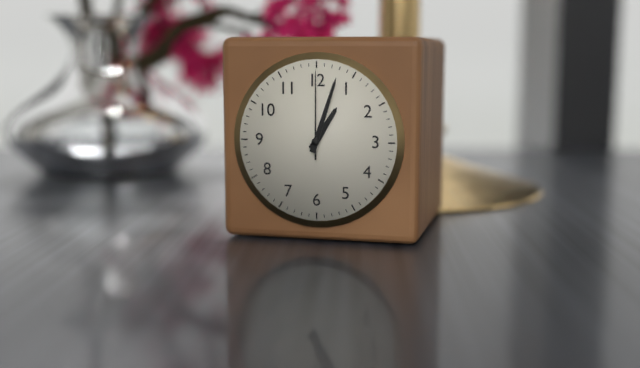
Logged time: 1,03,00
